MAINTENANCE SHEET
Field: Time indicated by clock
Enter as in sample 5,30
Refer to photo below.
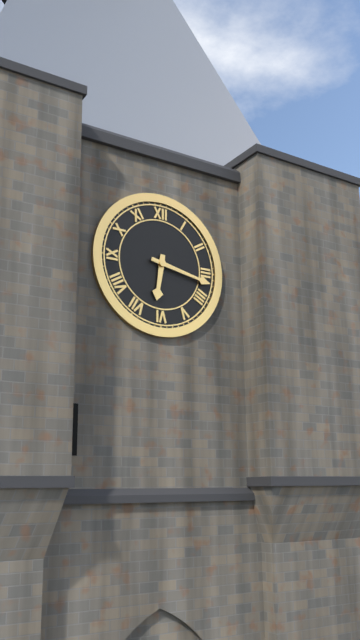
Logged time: 6,17
